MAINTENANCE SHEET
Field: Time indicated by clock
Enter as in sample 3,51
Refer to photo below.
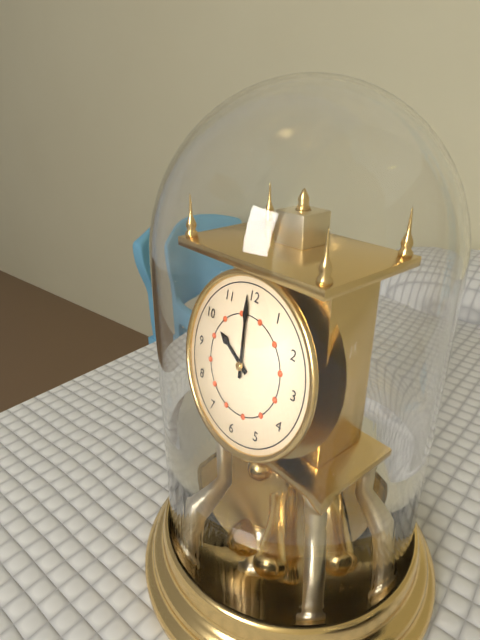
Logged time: 9,59
